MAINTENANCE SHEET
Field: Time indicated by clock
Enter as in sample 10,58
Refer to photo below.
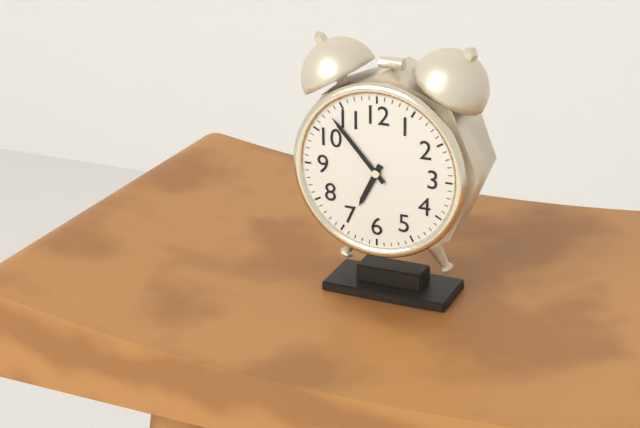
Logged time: 6,53
